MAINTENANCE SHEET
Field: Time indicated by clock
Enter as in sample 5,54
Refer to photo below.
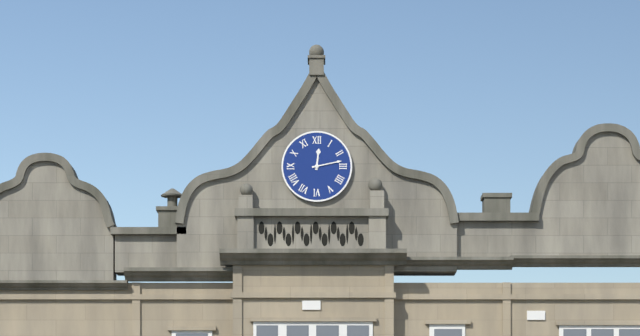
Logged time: 12,13
